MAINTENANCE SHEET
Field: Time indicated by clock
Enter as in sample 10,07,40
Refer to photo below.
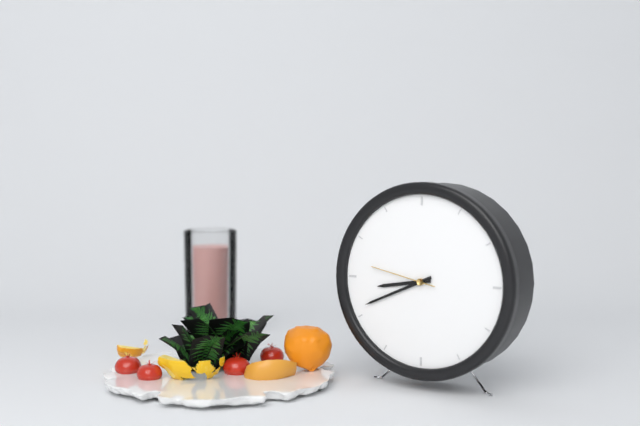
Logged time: 8,41,47
